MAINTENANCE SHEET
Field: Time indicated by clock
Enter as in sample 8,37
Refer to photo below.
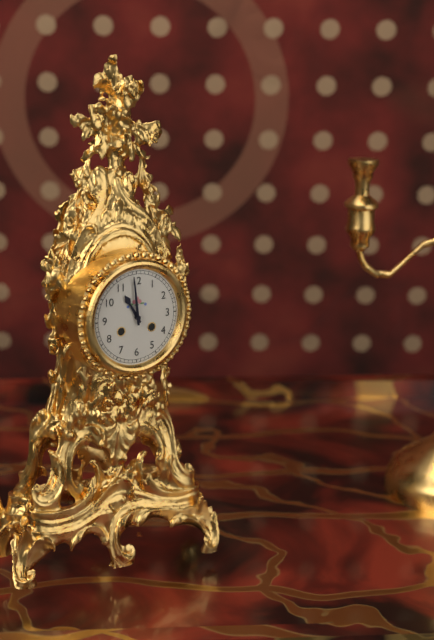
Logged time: 10,59
